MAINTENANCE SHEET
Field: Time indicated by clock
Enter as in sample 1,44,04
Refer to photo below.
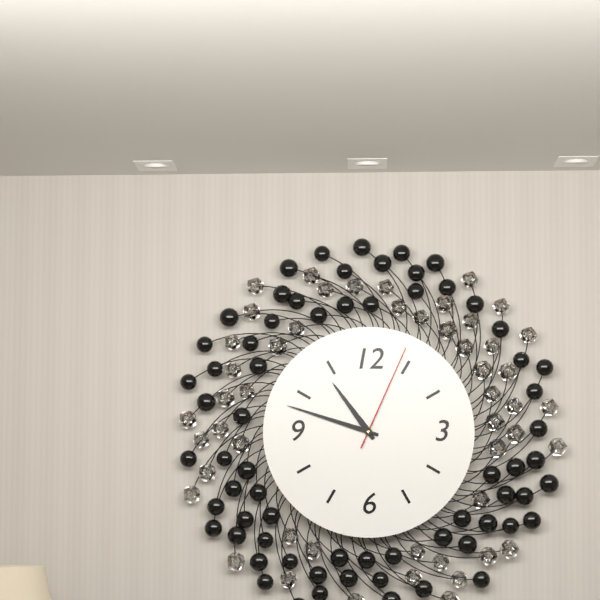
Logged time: 10,48,04
